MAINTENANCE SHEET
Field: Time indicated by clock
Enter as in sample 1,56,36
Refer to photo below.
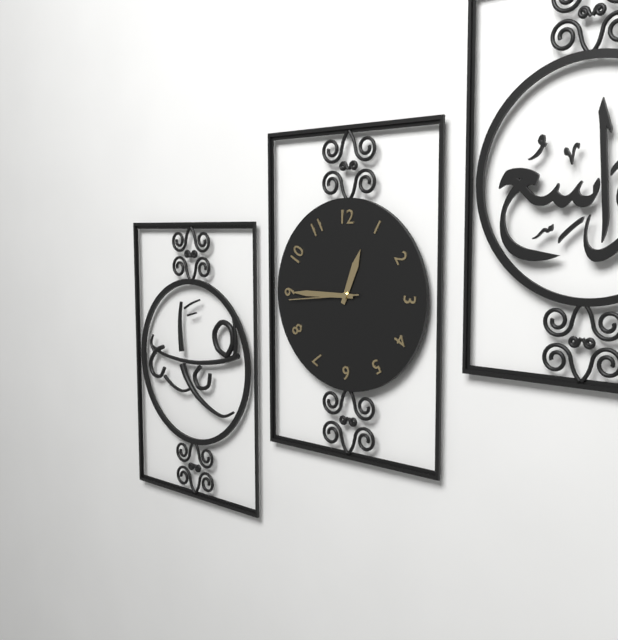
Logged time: 12,45,44
